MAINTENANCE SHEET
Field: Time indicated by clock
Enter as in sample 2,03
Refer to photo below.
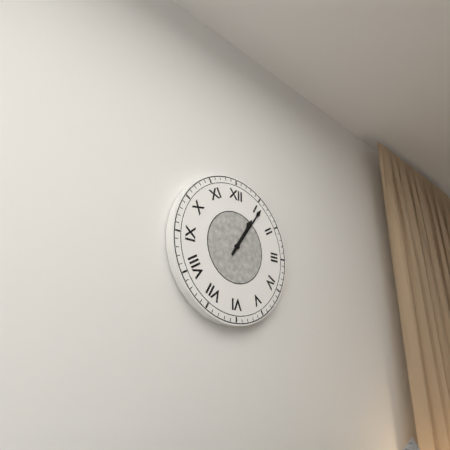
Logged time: 1,06
